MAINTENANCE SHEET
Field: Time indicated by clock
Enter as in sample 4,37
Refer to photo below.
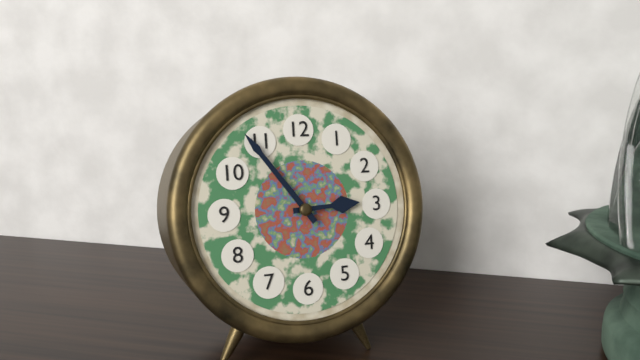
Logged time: 2,54
